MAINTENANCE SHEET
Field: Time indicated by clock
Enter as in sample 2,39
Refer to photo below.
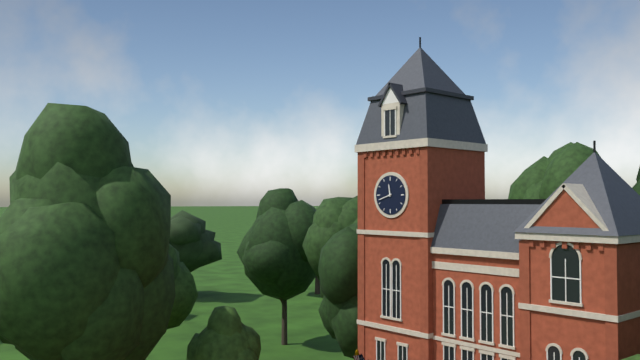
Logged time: 11,42
